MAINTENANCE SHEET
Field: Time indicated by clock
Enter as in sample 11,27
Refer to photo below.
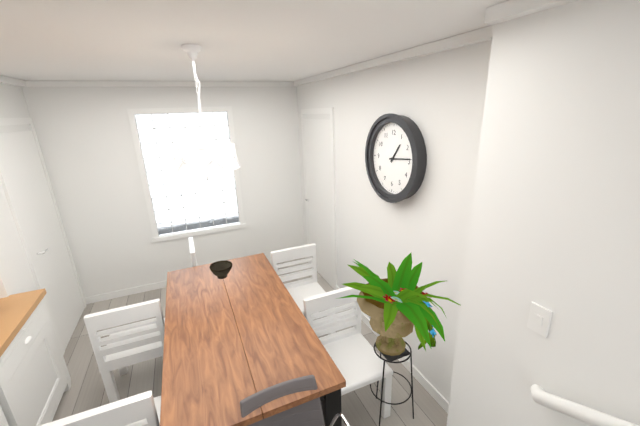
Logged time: 1,14
